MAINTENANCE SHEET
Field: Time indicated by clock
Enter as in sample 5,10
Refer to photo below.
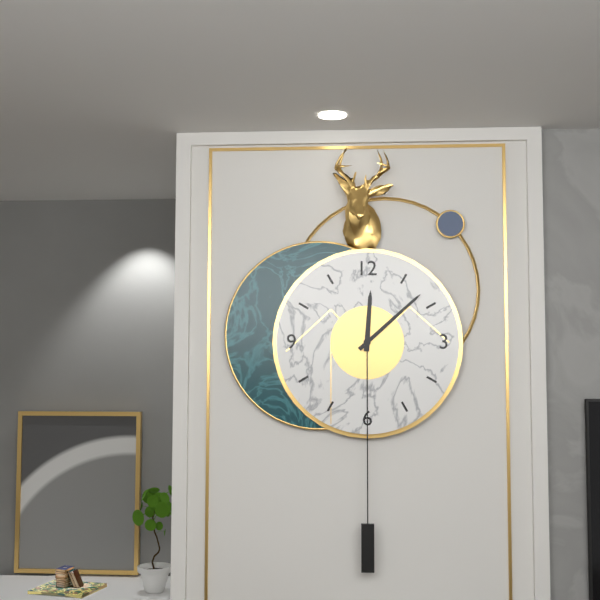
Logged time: 12,08
